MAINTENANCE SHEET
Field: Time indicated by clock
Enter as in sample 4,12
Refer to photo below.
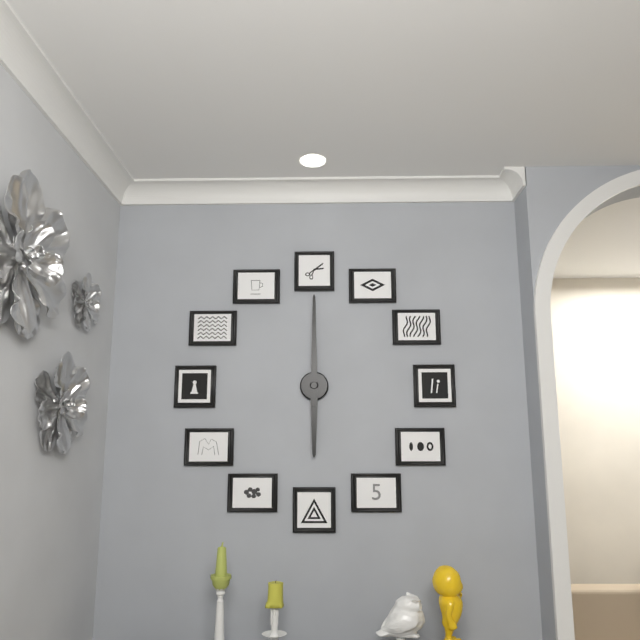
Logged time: 6,00
